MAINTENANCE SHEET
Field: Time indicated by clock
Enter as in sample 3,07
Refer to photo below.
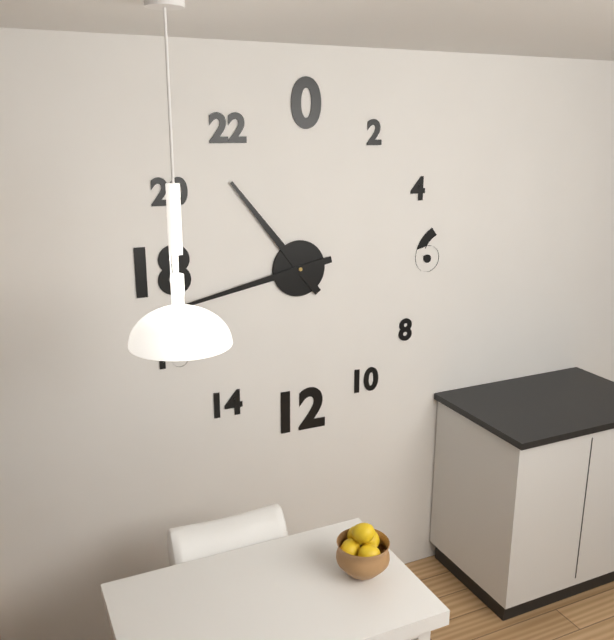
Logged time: 10,43
